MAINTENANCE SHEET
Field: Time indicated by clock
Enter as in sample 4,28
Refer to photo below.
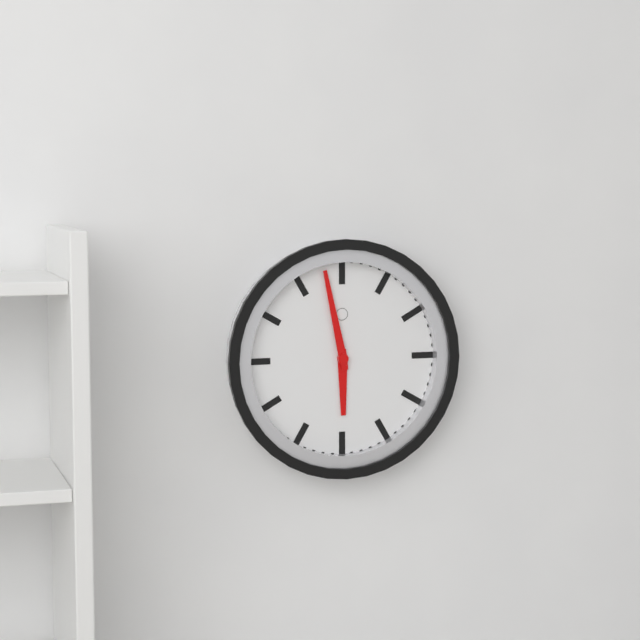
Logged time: 5,58
